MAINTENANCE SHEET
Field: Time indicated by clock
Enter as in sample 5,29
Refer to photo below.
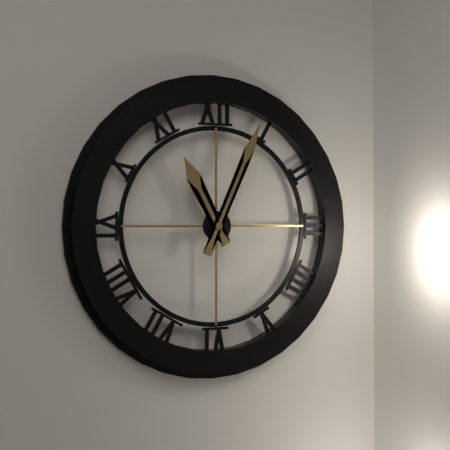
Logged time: 11,04
